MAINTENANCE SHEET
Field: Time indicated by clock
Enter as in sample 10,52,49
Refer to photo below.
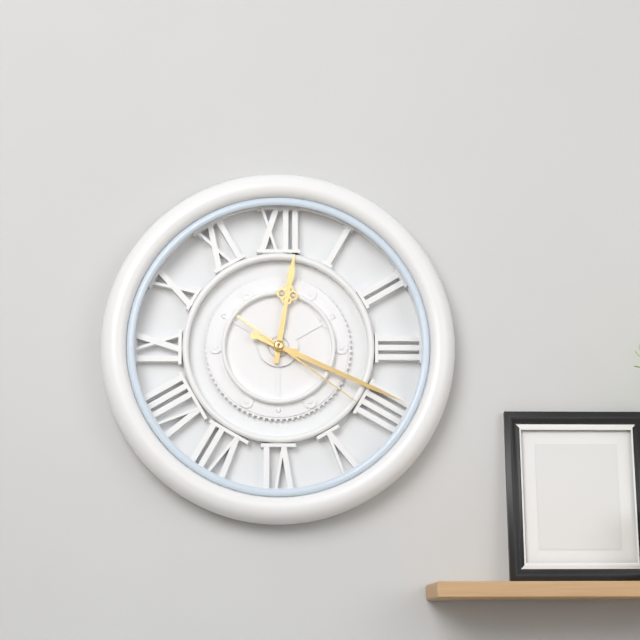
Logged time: 12,19,21
